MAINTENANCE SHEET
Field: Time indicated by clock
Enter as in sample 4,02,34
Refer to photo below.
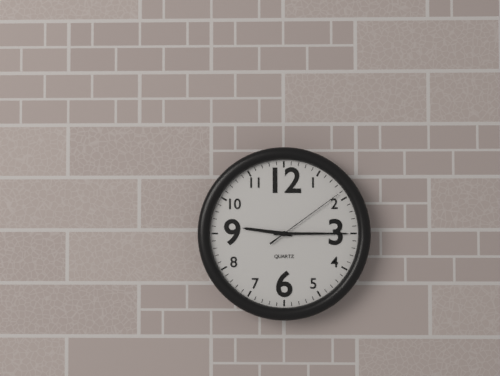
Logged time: 9,15,09
